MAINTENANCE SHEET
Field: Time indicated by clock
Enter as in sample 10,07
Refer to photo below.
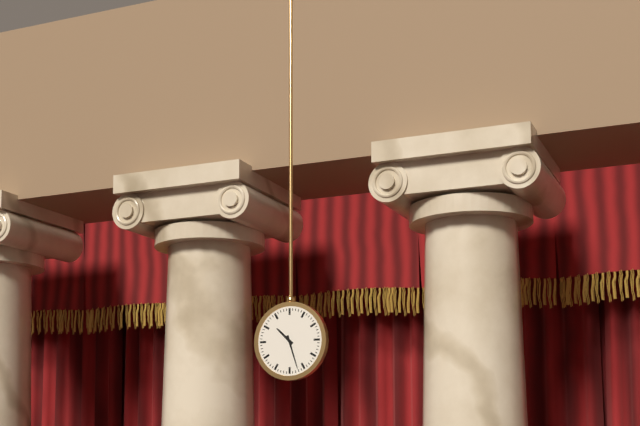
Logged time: 10,27
